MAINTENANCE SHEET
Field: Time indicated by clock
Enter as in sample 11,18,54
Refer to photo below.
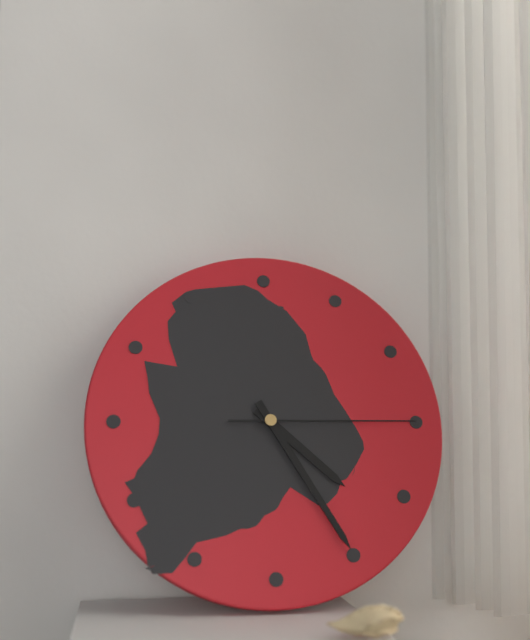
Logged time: 4,25,15
